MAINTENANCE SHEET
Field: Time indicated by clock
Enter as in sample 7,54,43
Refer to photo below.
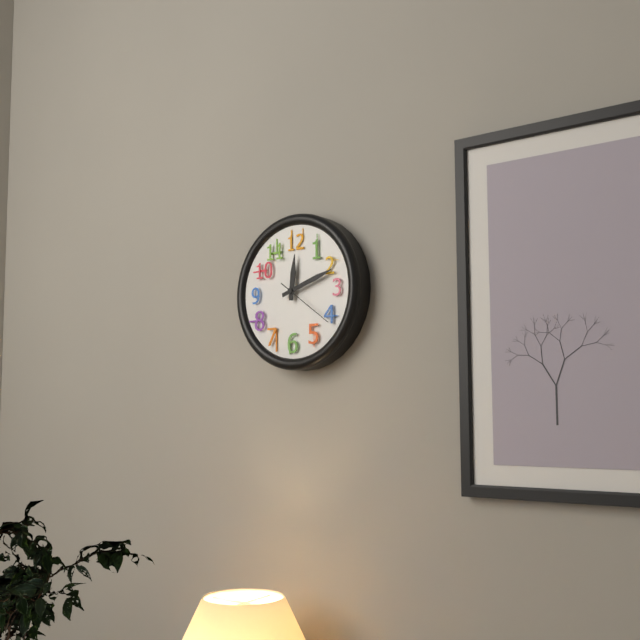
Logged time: 12,12,21
